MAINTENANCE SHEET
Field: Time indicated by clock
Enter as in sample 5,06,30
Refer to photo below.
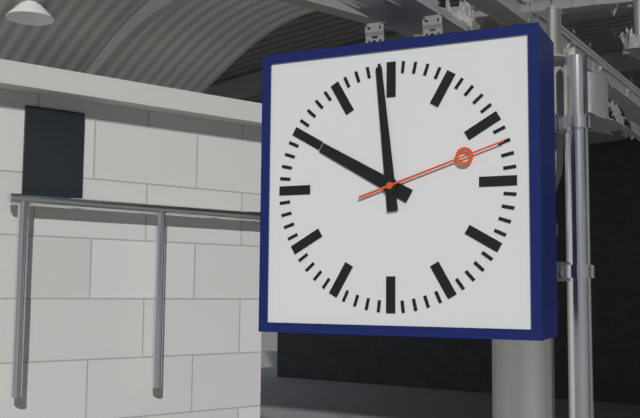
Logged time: 9,59,12
